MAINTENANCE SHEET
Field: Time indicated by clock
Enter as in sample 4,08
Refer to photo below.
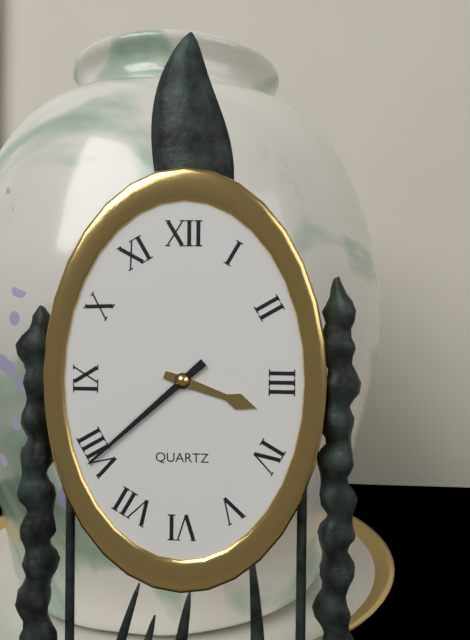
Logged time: 3,38
